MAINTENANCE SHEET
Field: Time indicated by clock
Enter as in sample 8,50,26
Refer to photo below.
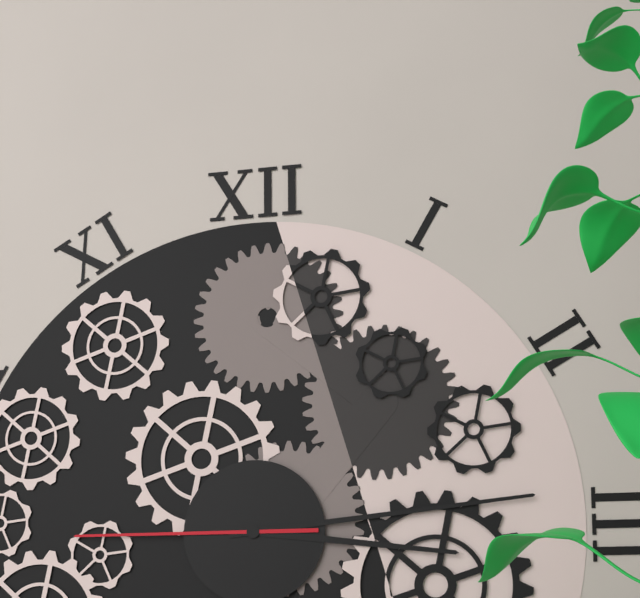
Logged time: 3,14,45
